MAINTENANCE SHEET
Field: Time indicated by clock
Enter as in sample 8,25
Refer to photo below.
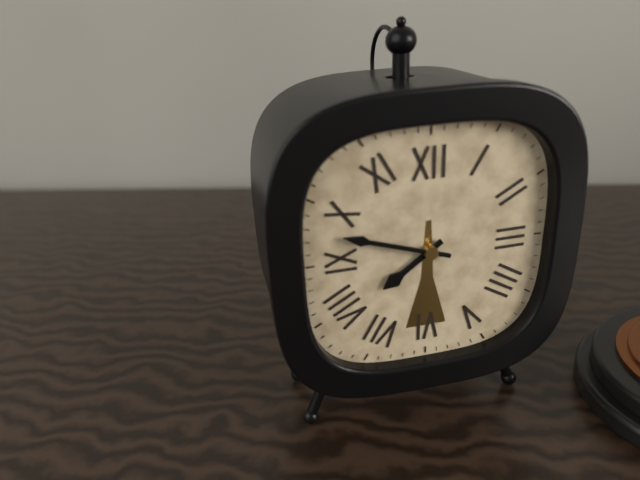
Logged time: 7,48
